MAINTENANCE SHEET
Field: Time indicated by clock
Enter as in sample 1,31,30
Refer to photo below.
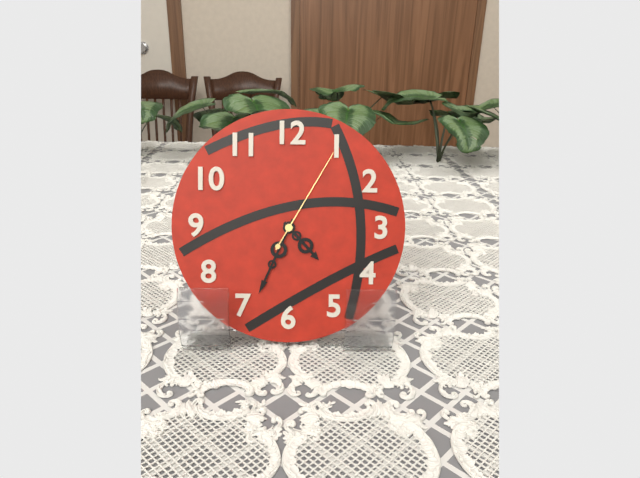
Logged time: 4,34,05
